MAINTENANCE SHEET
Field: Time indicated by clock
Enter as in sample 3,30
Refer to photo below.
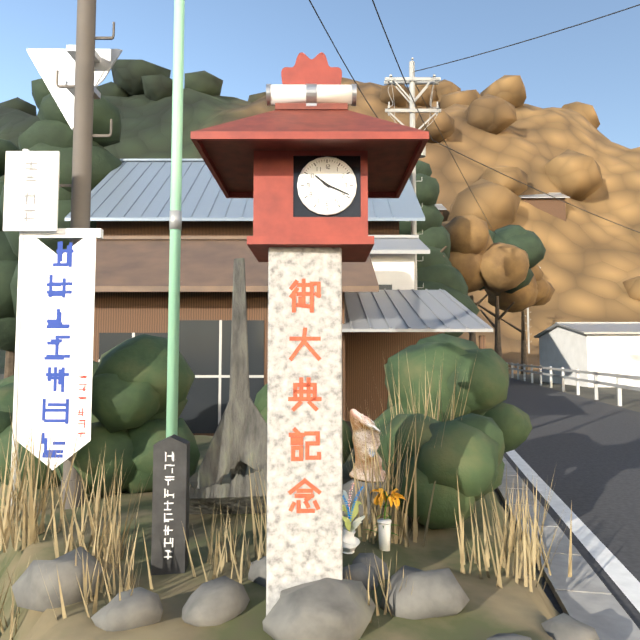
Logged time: 10,19
